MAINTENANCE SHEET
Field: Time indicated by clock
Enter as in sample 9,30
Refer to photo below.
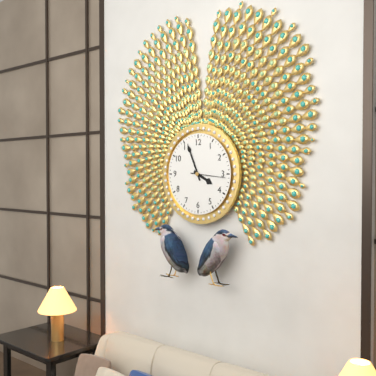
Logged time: 3,56
